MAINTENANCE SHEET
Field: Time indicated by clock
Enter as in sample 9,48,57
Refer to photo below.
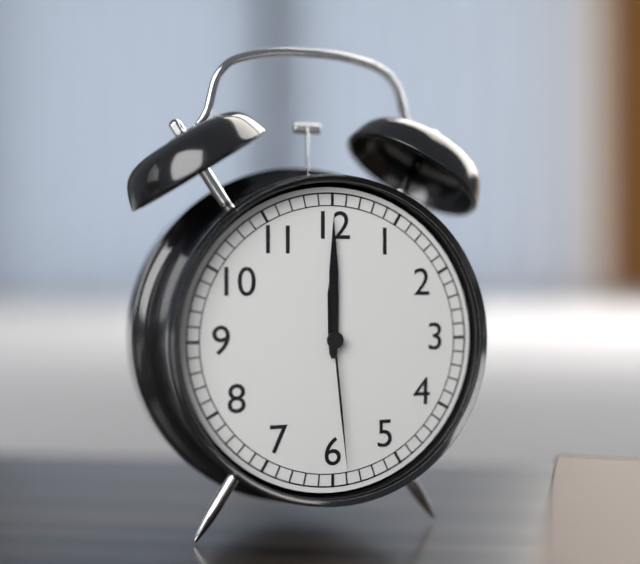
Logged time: 12,00,29
